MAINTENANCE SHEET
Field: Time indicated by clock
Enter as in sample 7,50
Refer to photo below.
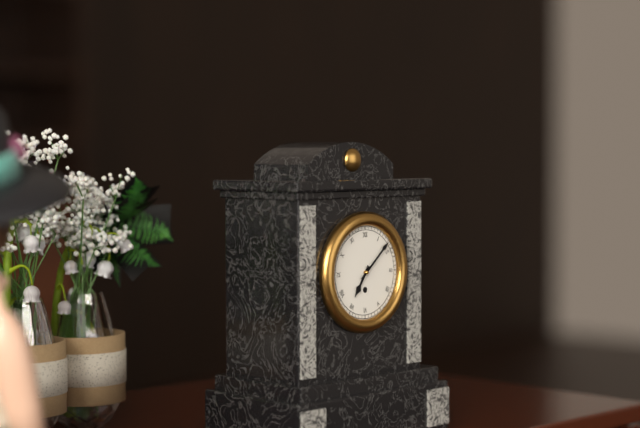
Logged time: 7,08
